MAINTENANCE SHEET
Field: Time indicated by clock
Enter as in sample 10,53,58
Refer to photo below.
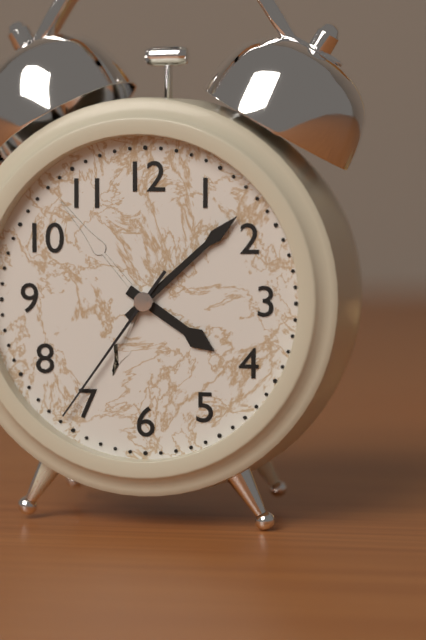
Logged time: 4,08,36
